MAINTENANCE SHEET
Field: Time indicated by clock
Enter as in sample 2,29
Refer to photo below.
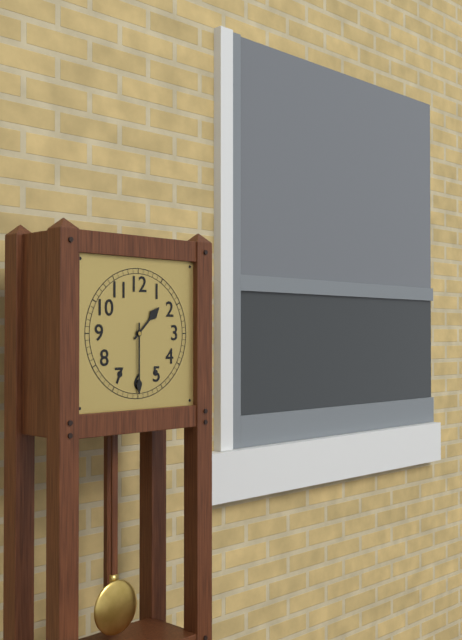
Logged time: 1,30
